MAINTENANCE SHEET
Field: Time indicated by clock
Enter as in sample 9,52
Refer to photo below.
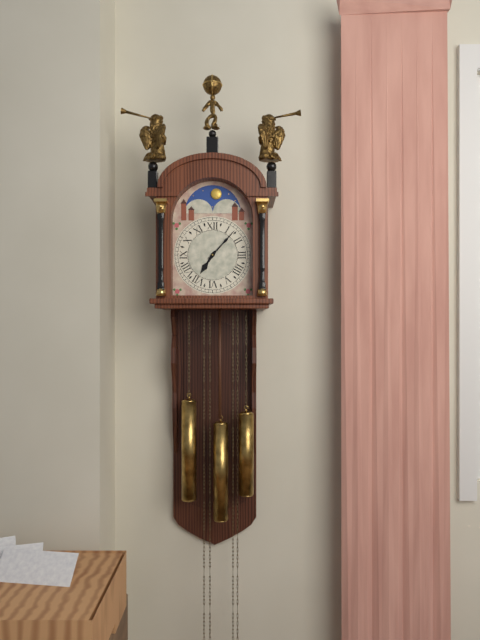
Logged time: 7,07
